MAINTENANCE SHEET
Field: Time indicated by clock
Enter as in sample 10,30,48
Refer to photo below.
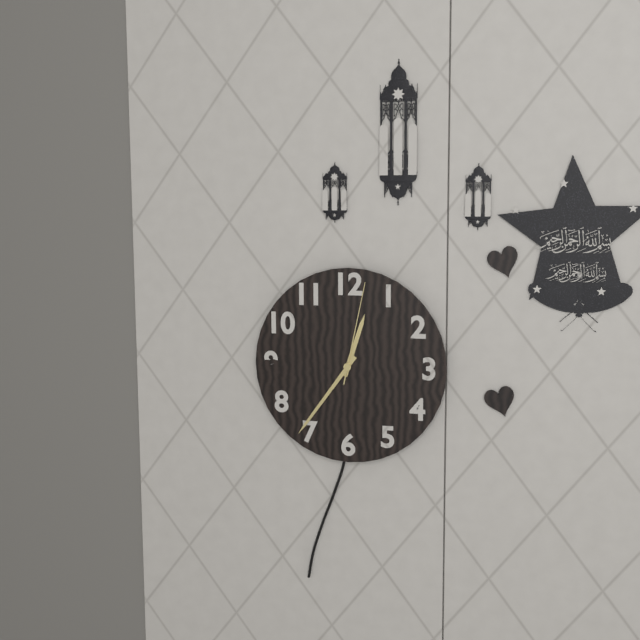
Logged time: 12,36,02
